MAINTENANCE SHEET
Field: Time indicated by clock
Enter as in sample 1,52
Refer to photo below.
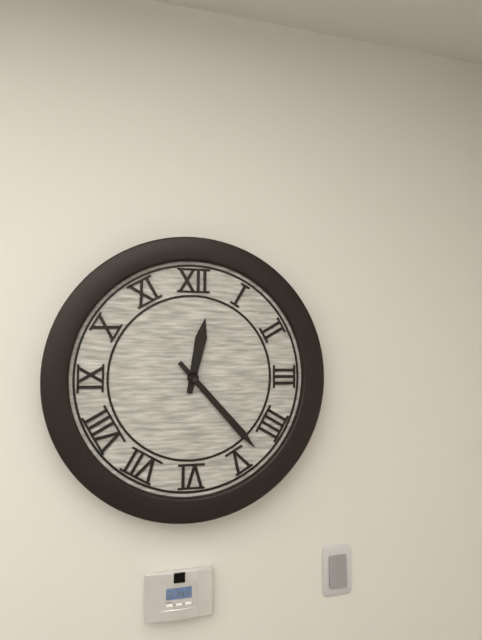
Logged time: 12,23
